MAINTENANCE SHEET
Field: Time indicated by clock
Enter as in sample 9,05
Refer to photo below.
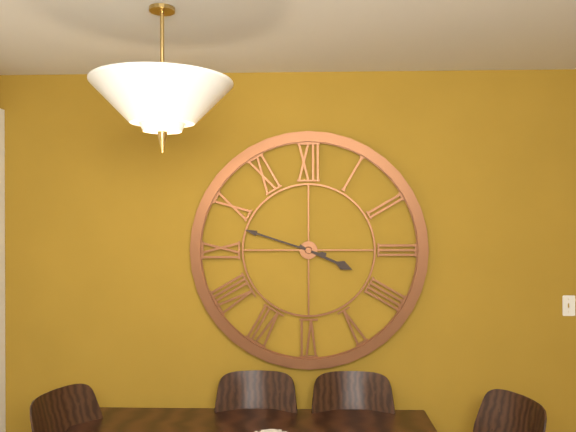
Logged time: 3,48
